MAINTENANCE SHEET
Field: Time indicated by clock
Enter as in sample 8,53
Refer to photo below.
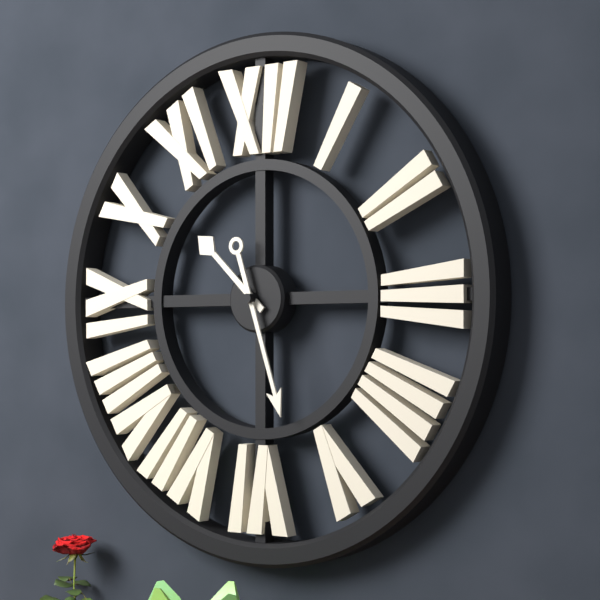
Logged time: 10,27
